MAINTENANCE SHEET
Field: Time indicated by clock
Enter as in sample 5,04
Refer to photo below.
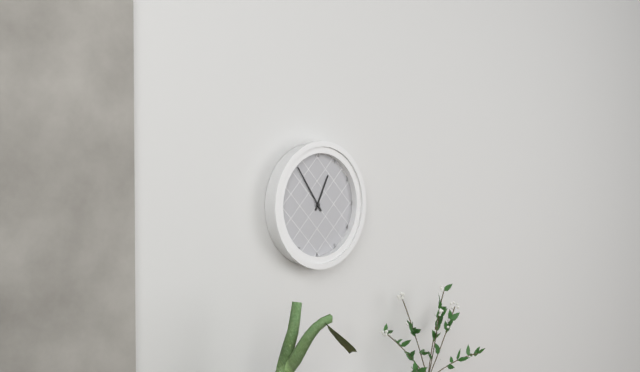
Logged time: 12,54
